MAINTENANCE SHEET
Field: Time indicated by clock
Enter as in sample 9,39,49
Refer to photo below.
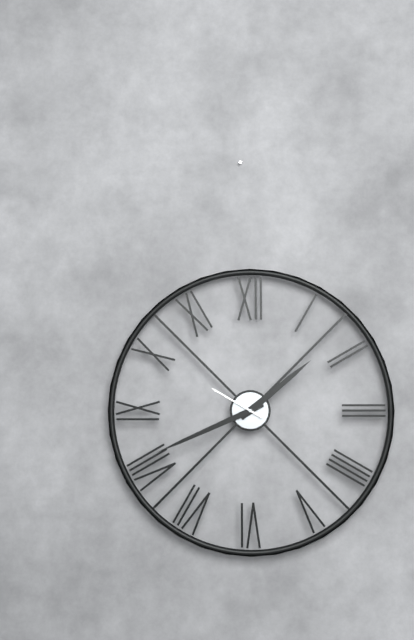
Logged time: 1,41,50
